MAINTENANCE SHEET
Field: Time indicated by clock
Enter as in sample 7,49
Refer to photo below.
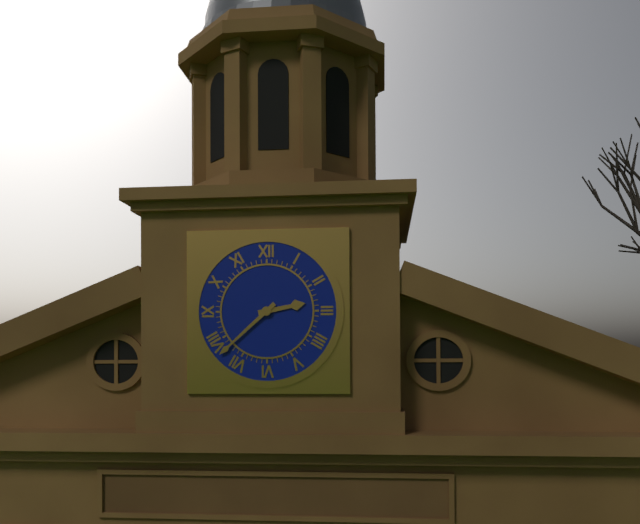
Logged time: 2,38
